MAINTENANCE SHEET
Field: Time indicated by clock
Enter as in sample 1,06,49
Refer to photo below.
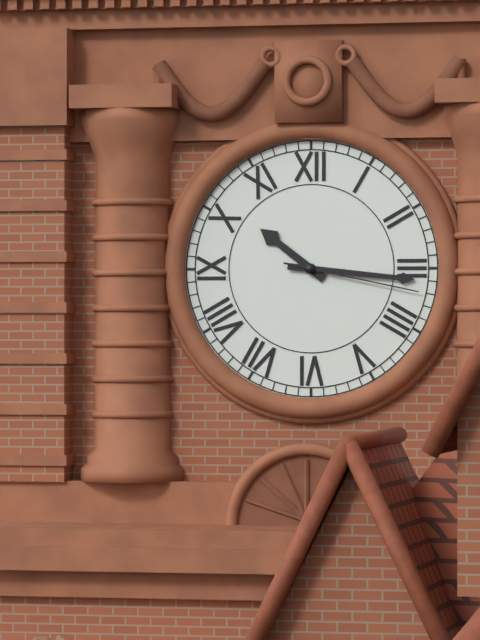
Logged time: 10,16,17
